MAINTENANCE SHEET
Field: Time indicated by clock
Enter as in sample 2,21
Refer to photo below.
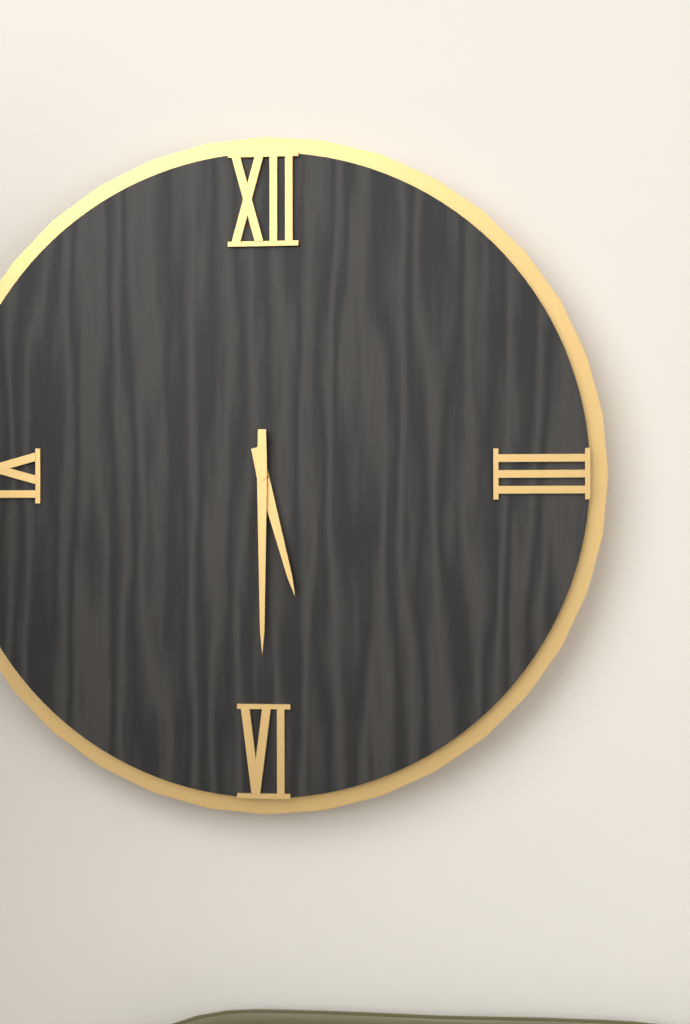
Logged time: 5,30
